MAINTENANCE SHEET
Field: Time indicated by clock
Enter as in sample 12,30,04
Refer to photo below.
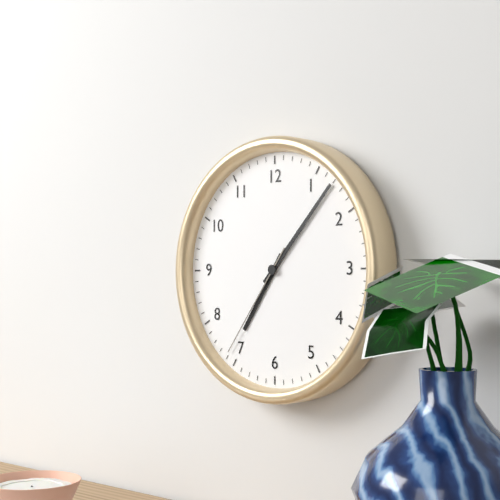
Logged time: 7,07,36
